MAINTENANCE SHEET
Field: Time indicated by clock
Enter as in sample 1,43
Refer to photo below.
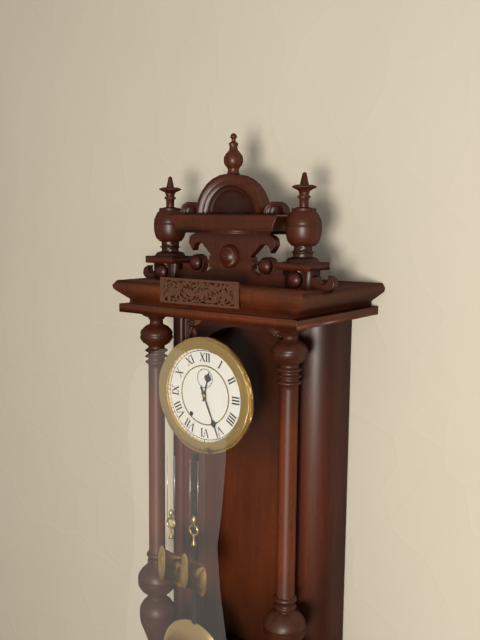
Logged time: 12,26
